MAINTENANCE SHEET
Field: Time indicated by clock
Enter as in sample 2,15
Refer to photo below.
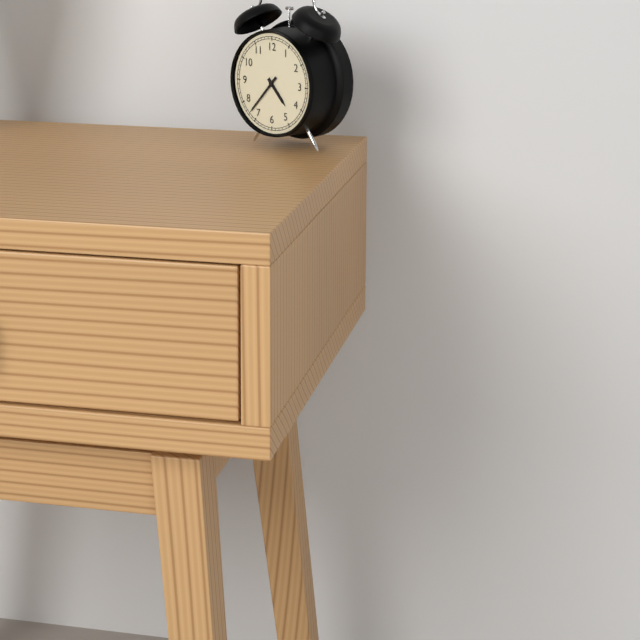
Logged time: 4,37
